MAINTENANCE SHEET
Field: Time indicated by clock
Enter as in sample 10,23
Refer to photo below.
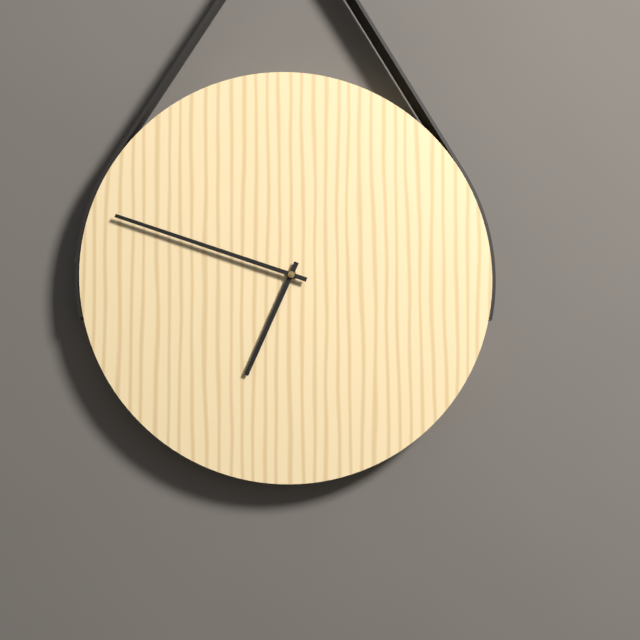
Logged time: 6,48
